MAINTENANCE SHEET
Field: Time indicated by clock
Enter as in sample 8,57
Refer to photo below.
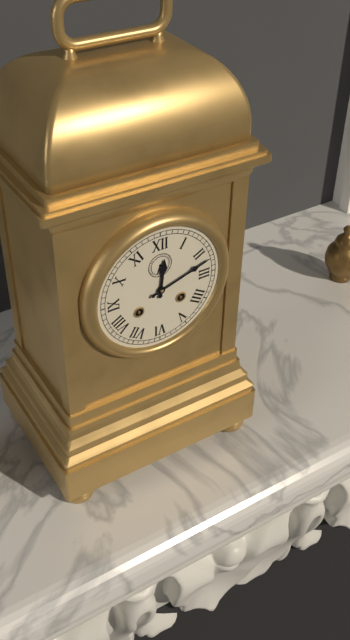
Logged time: 12,12
